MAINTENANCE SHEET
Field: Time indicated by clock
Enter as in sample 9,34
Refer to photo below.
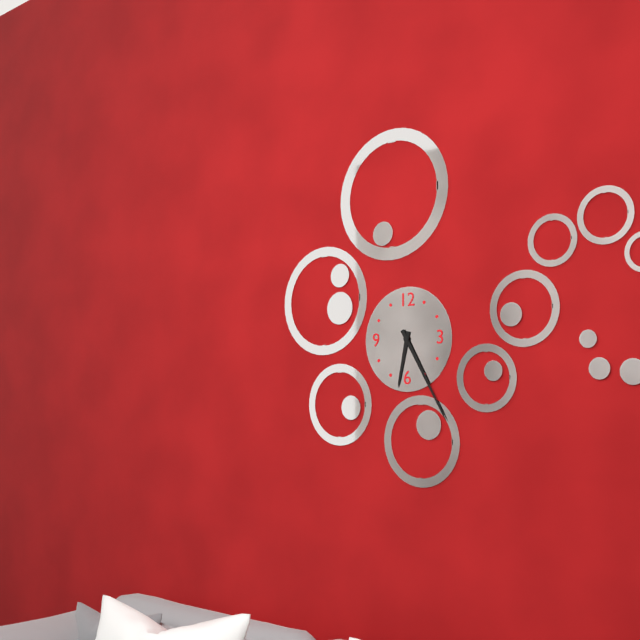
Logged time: 6,25
